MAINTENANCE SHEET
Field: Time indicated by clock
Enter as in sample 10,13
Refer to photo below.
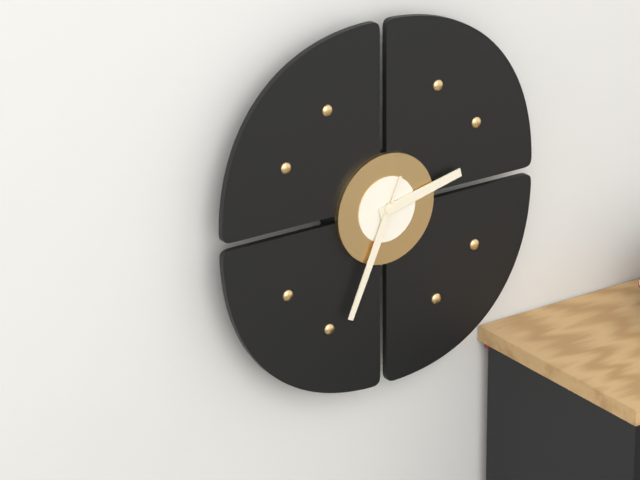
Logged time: 2,34
